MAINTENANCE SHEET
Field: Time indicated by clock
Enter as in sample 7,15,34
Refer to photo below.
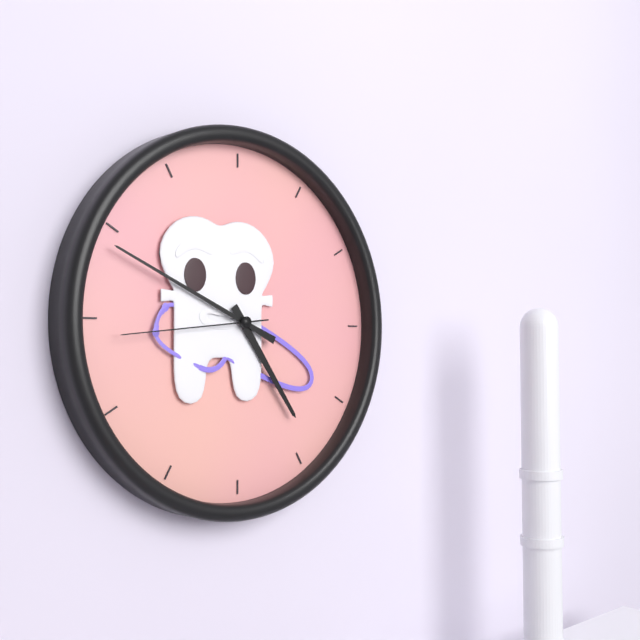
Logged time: 4,49,44
